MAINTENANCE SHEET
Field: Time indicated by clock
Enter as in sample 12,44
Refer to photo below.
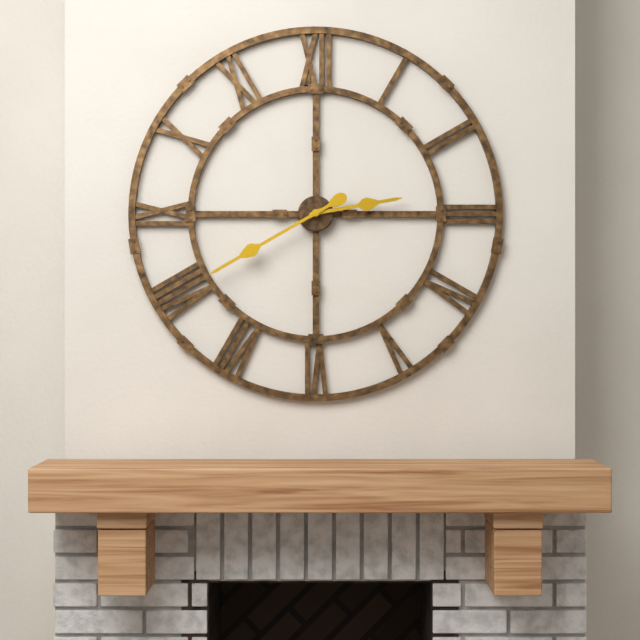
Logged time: 2,40
